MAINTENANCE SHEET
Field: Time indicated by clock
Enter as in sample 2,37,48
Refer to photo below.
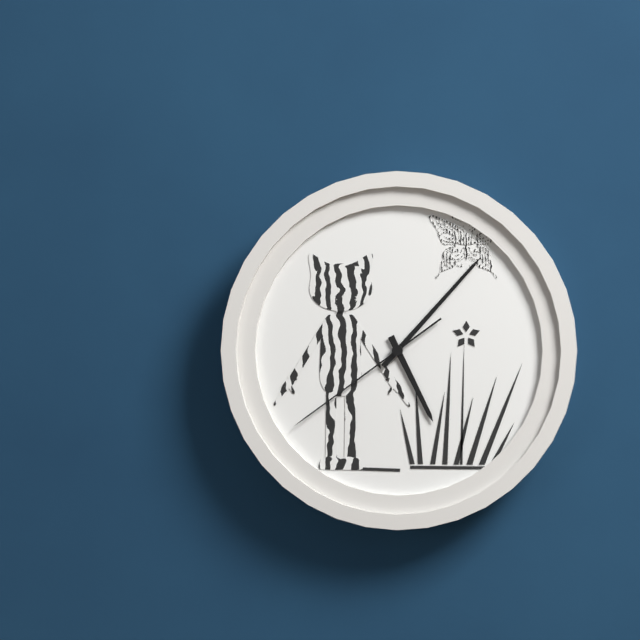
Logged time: 5,07,39
